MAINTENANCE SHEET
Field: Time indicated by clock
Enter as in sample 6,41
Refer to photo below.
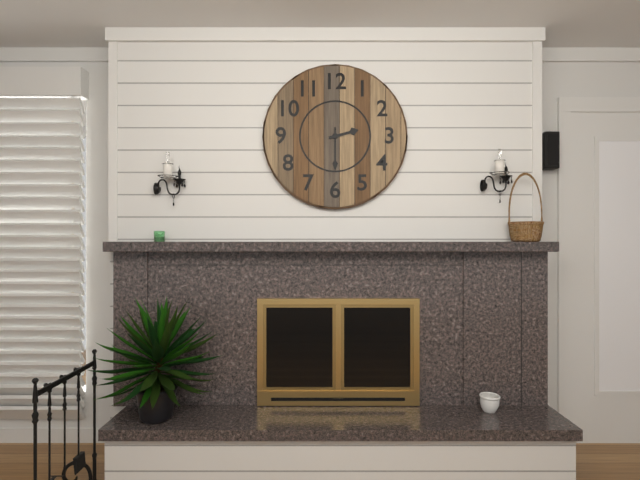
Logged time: 2,30
